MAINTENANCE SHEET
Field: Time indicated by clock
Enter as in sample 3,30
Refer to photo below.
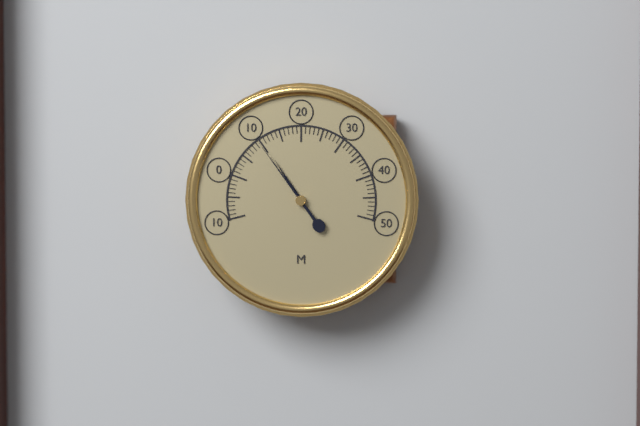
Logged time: 10,54
